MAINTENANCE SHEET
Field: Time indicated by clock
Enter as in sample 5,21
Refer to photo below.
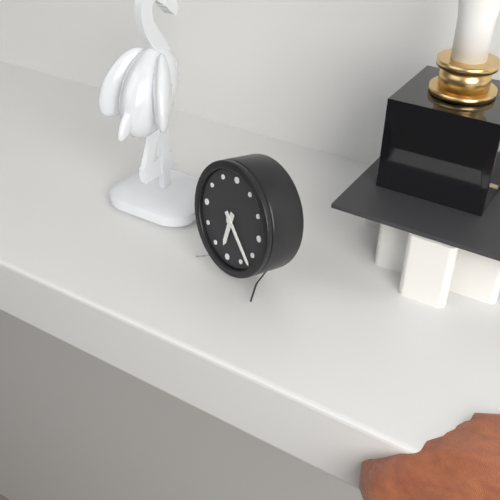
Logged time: 6,22
